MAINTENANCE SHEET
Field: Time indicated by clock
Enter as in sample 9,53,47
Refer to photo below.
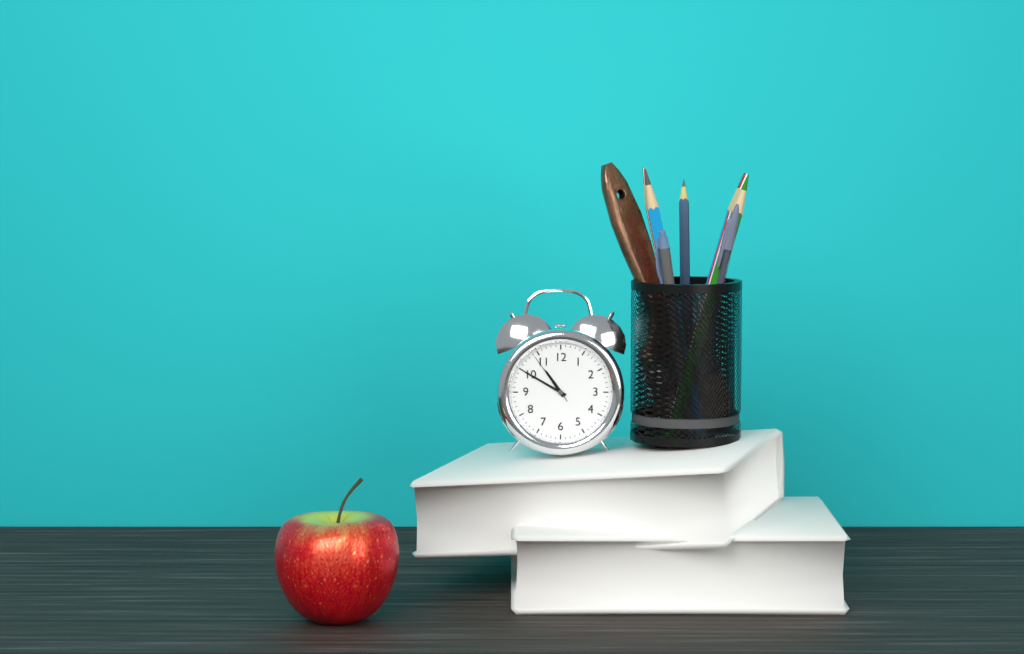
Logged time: 10,50,54
